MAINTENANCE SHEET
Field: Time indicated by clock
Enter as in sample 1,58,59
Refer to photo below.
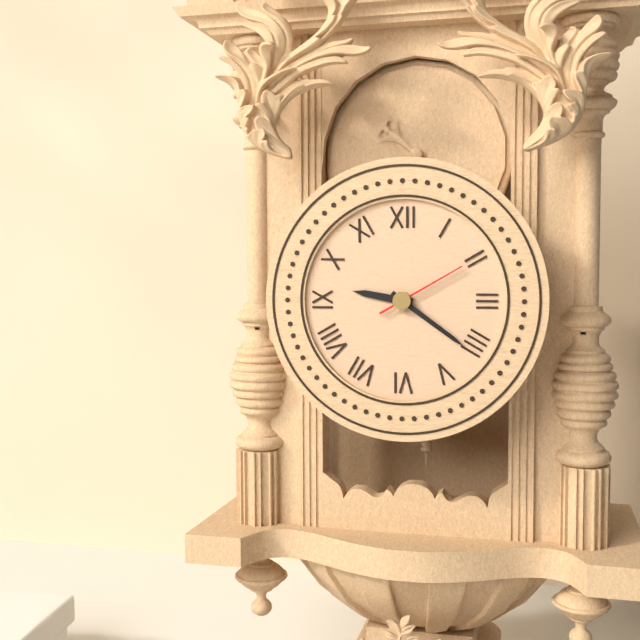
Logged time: 9,21,10
